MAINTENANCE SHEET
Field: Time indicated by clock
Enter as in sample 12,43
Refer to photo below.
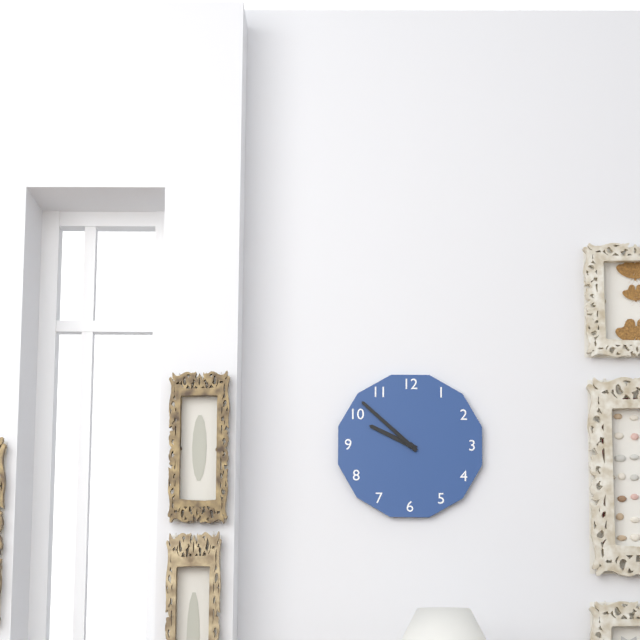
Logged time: 9,52
